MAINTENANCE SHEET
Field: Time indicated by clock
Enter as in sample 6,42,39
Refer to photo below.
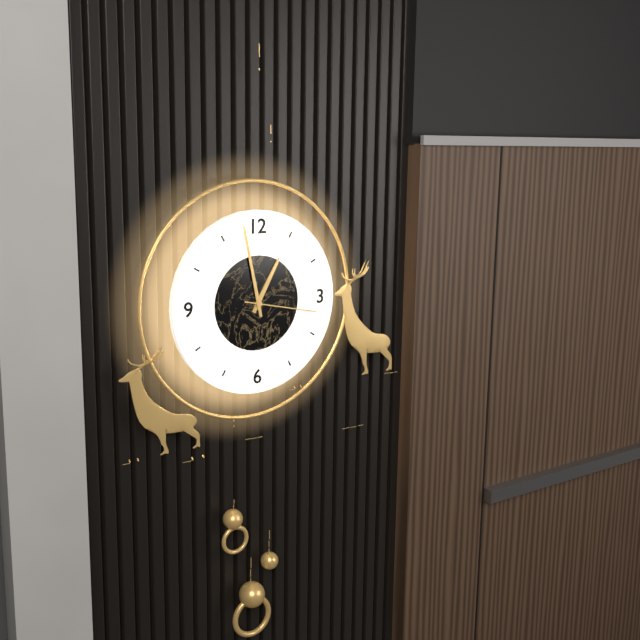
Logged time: 12,58,17
